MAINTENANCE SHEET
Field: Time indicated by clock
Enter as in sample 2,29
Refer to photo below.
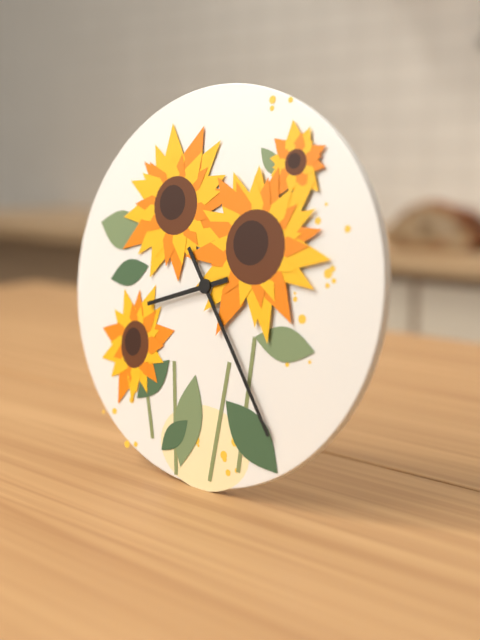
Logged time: 8,24
